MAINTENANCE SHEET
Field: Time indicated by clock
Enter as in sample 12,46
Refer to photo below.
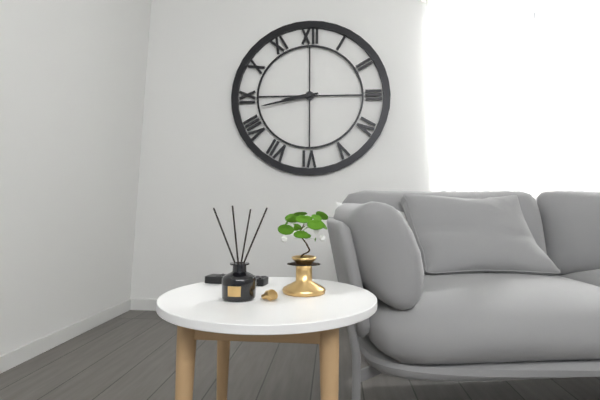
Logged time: 8,43
